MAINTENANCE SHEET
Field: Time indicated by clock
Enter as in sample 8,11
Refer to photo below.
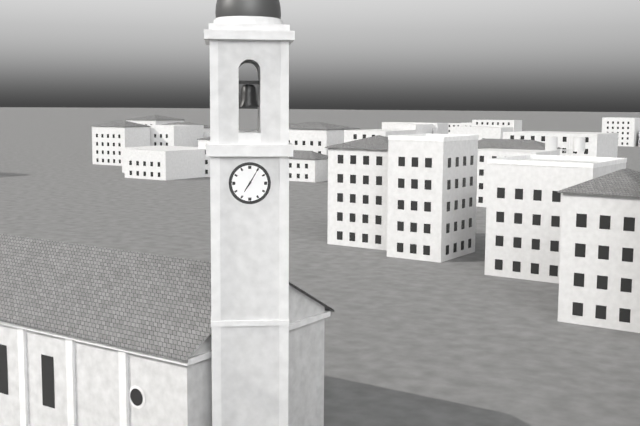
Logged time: 7,05
